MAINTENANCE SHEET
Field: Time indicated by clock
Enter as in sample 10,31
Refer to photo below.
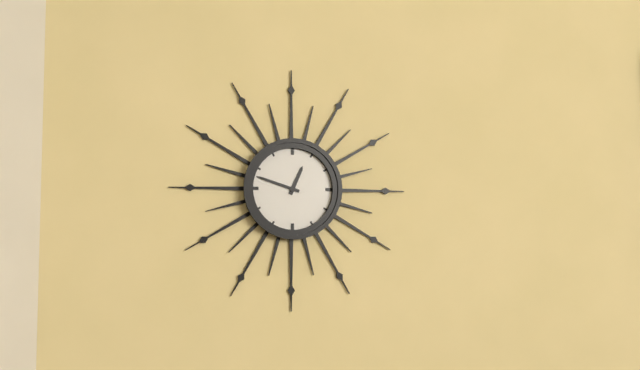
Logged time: 12,48
